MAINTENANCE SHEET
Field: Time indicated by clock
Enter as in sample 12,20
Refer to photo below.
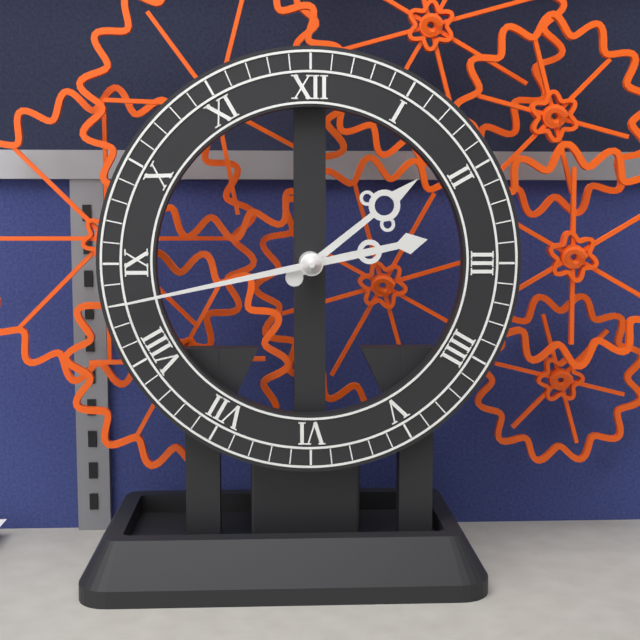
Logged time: 1,43
